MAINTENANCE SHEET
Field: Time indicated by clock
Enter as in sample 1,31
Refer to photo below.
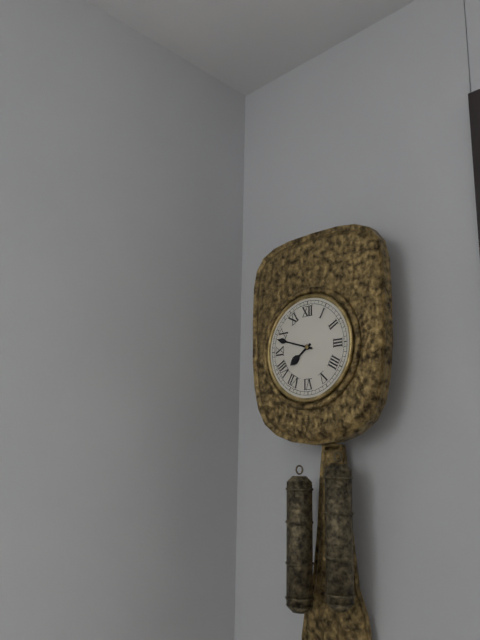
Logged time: 7,48
